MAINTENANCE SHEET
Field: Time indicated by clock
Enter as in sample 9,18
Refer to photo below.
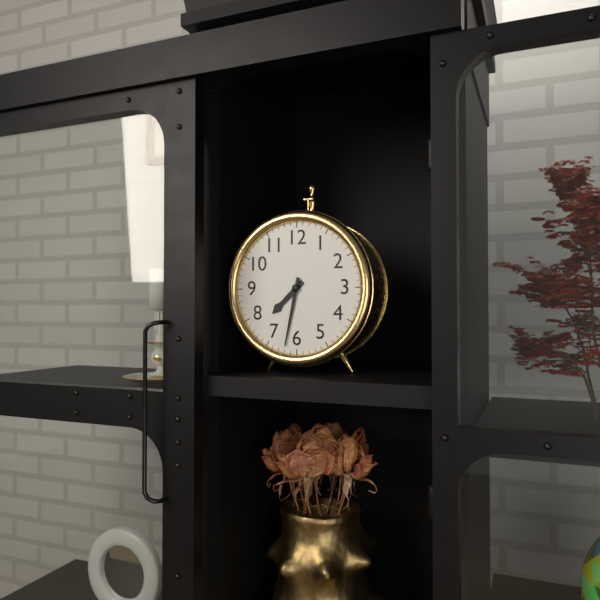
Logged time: 7,32
